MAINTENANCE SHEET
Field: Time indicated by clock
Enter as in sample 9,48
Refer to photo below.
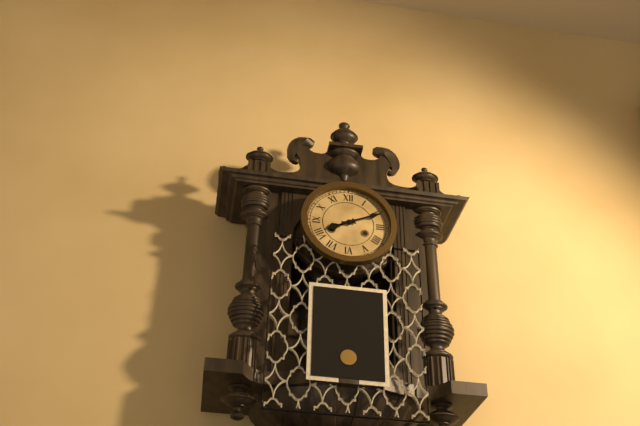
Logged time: 8,11
